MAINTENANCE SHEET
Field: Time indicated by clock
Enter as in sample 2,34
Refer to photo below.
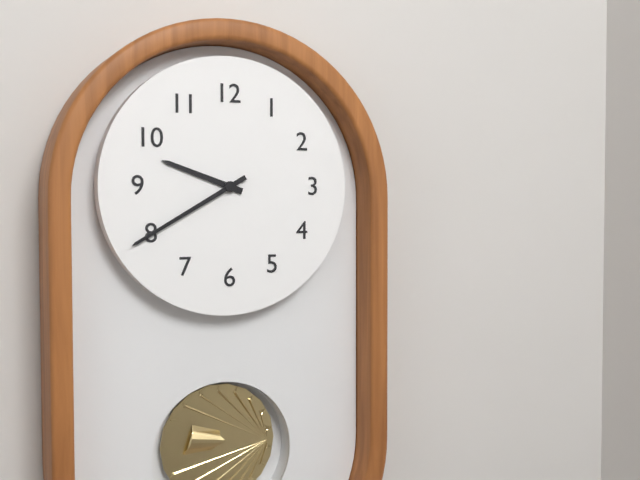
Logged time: 9,40
